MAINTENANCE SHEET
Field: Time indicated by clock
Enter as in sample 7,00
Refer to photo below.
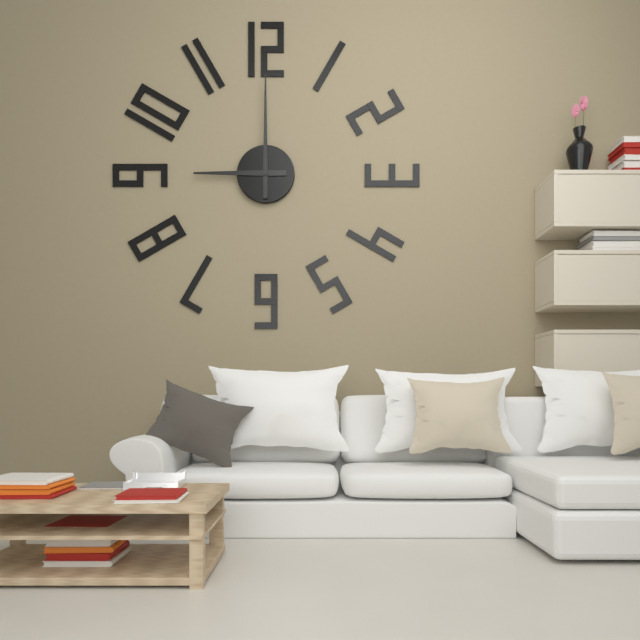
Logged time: 9,00
